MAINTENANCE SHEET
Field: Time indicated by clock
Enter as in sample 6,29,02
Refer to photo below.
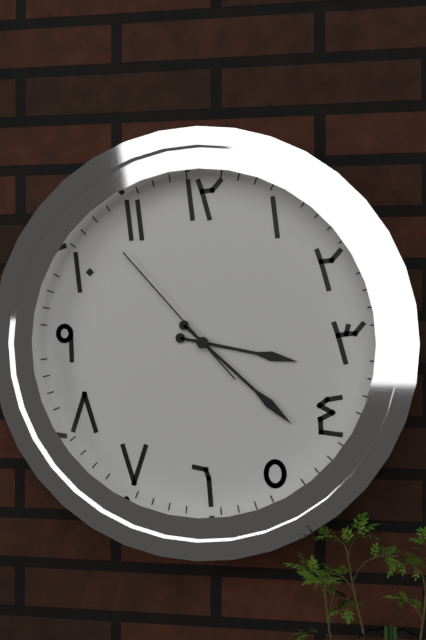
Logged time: 3,22,53
